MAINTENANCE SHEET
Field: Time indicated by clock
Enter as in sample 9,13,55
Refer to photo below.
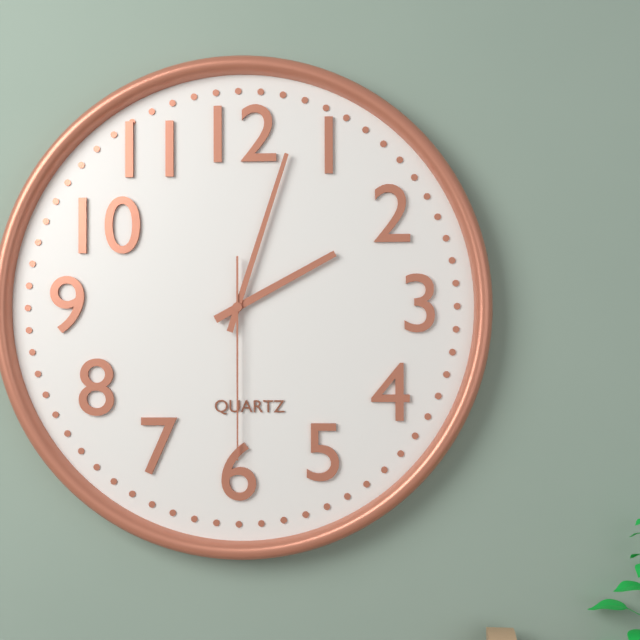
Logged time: 2,03,30
